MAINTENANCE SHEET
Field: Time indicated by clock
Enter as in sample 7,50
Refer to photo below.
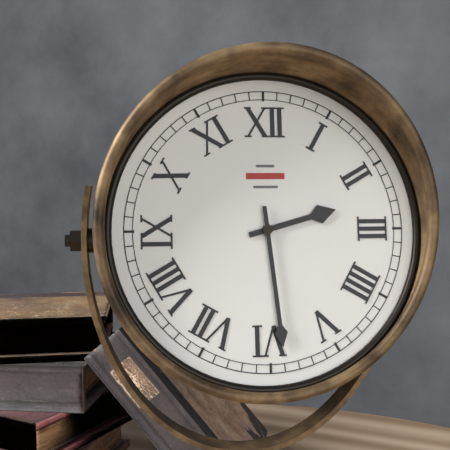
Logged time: 2,29
